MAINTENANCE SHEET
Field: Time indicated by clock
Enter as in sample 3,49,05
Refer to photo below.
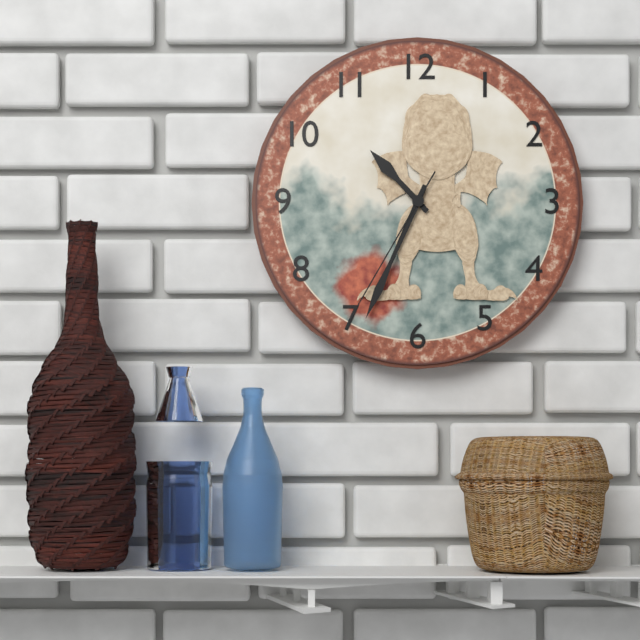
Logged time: 10,34,35
